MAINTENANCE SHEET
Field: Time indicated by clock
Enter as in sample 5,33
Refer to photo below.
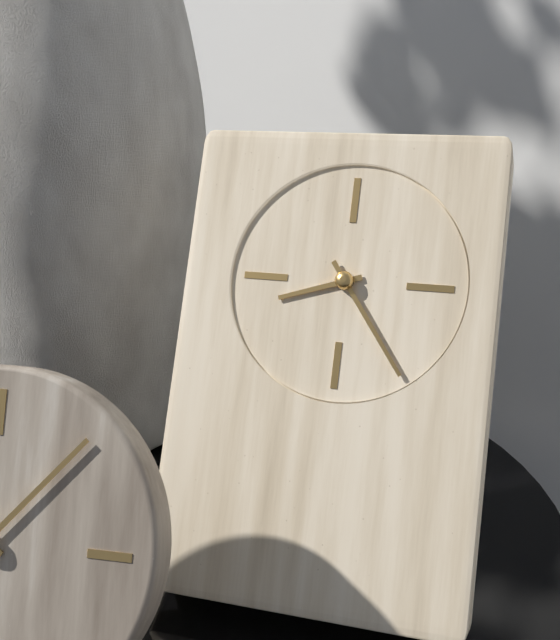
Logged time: 8,24
